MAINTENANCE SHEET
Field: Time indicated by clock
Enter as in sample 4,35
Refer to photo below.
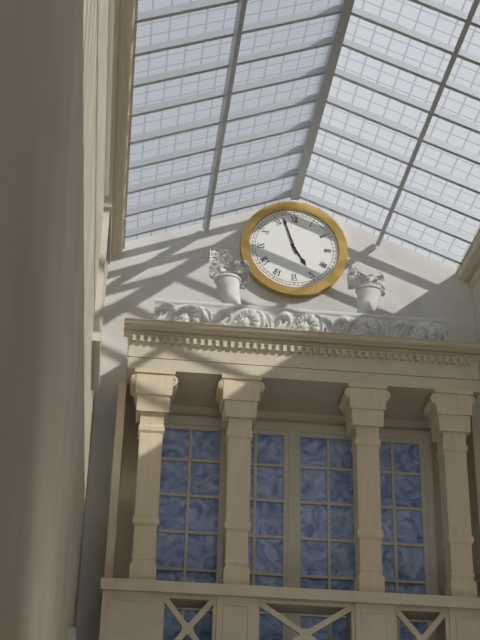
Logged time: 4,57
